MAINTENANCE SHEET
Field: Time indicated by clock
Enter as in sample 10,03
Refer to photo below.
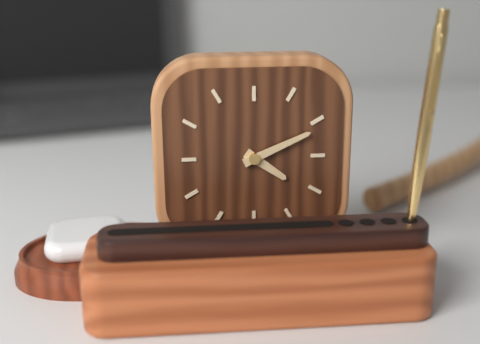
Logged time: 4,11
